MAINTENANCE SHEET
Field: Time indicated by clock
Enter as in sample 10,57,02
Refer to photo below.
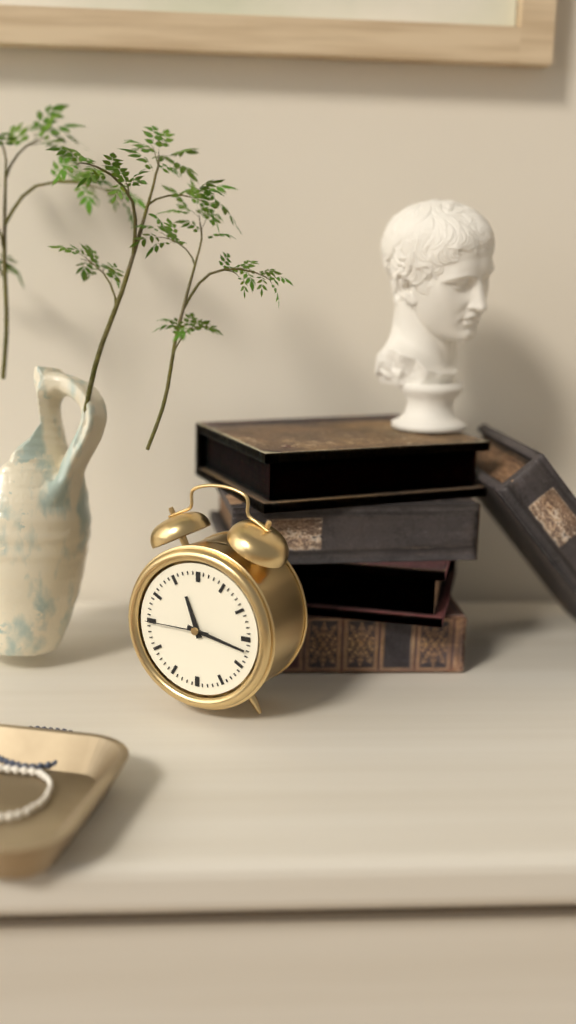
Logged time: 11,17,45
